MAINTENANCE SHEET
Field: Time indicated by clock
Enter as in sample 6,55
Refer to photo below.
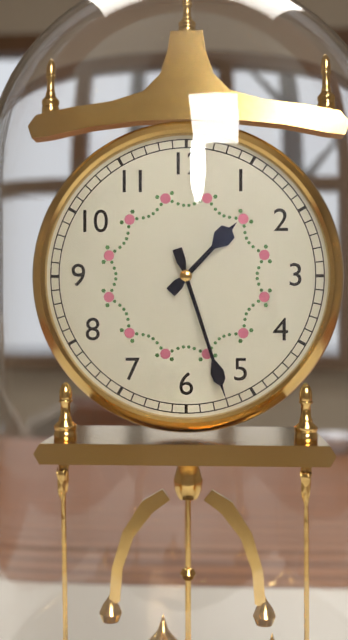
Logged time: 1,27
